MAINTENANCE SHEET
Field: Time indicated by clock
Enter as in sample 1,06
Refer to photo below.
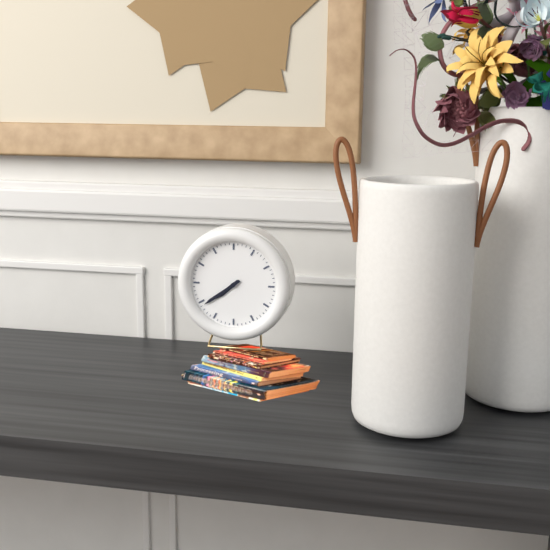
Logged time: 7,39
